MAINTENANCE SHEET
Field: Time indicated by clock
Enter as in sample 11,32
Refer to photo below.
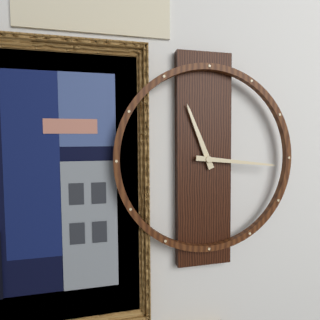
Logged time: 11,16
